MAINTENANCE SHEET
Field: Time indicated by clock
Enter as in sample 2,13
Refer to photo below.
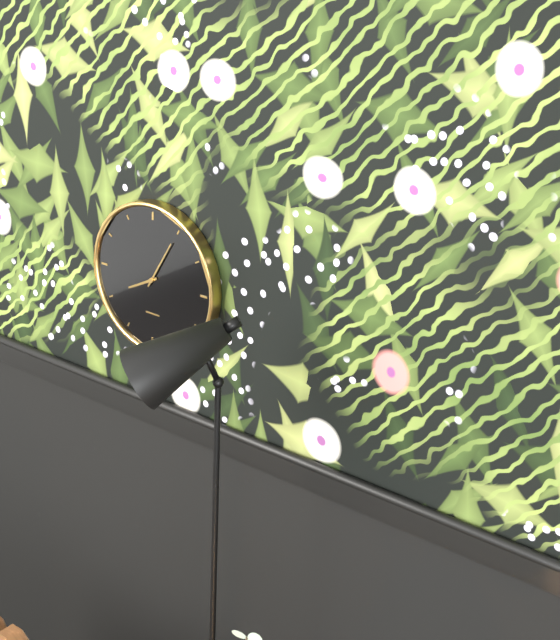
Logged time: 8,05
